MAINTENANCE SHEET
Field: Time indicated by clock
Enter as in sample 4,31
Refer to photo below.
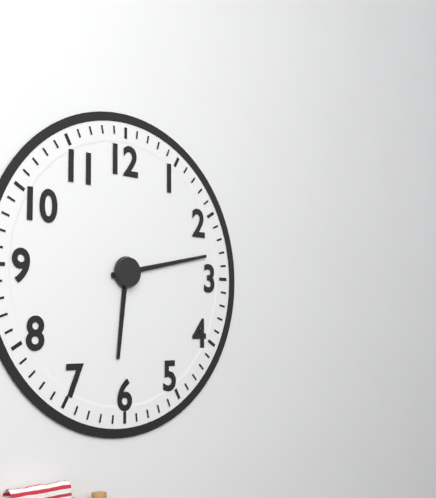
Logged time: 6,13
